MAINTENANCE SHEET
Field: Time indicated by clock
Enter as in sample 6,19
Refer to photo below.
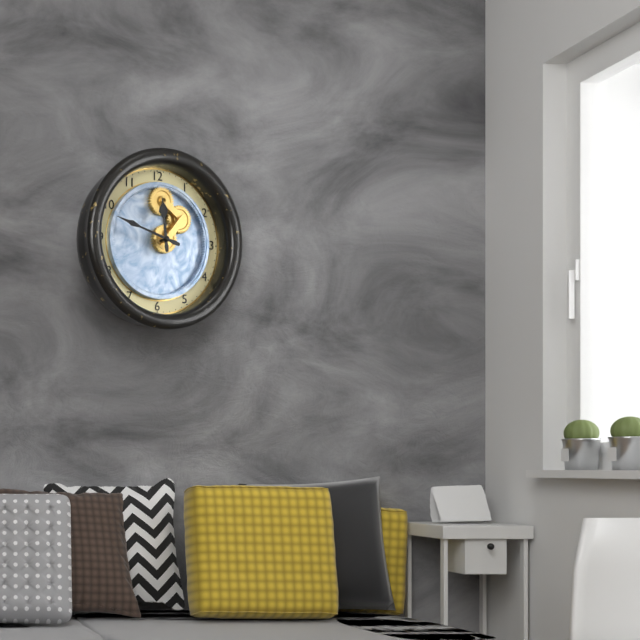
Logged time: 11,48
